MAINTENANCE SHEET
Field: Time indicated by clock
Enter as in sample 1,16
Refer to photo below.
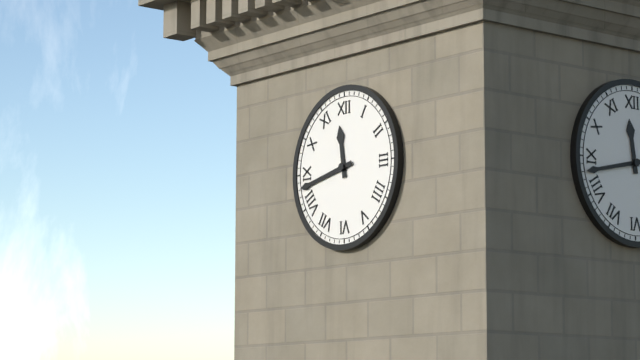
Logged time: 11,43
